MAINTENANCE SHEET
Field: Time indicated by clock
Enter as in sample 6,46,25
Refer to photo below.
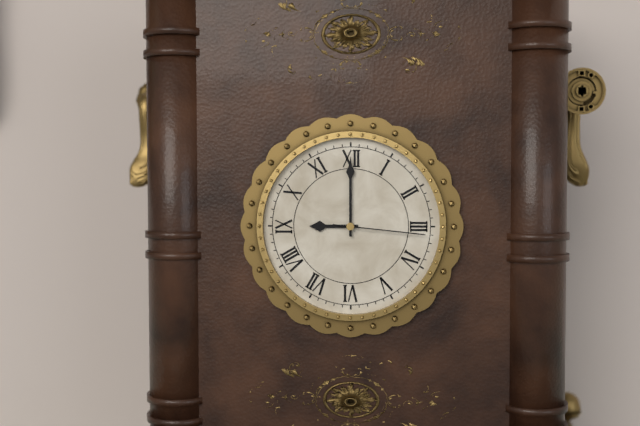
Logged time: 9,00,16
